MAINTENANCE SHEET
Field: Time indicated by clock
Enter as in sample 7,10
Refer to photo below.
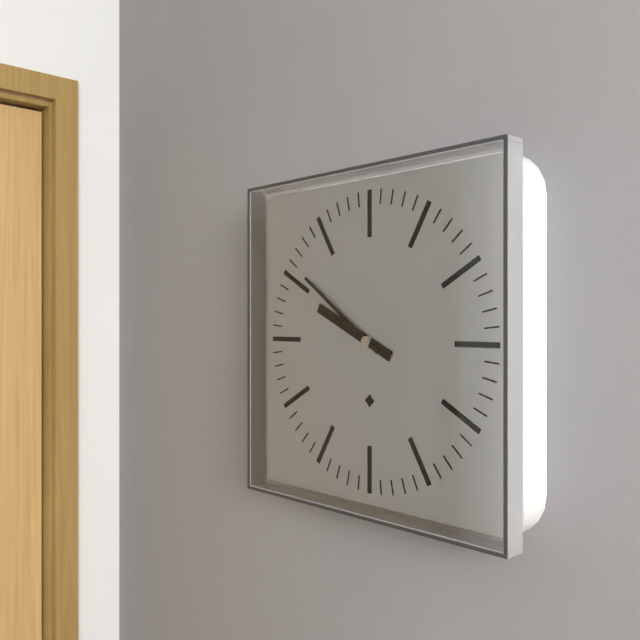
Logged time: 9,51
